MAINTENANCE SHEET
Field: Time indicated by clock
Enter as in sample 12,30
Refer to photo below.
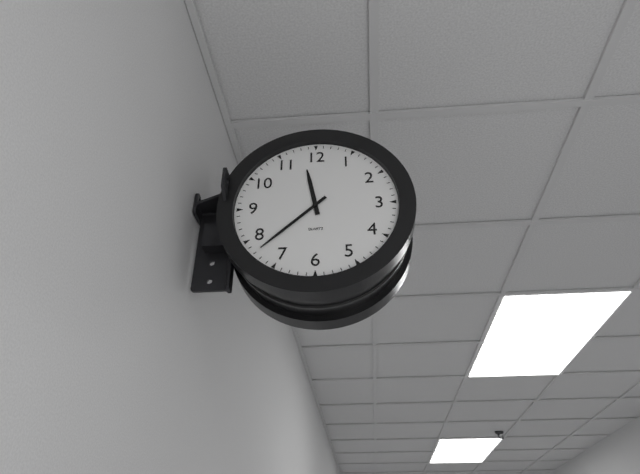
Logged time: 11,38
